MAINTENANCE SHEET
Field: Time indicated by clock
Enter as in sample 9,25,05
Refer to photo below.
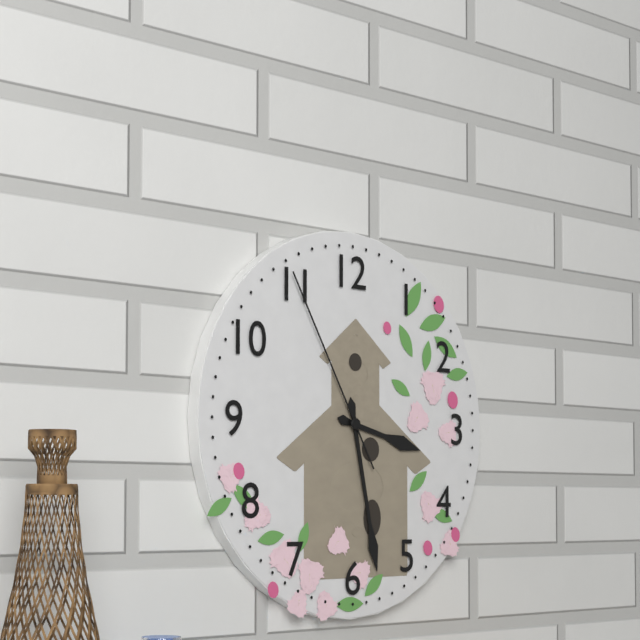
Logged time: 3,28,55
